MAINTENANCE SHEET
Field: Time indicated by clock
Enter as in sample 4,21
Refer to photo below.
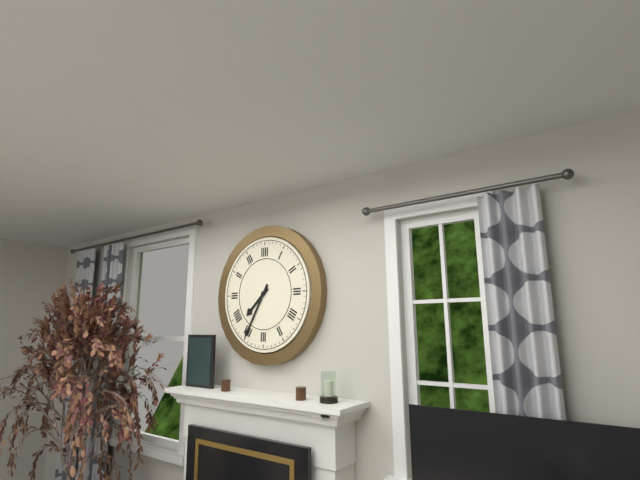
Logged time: 7,35
